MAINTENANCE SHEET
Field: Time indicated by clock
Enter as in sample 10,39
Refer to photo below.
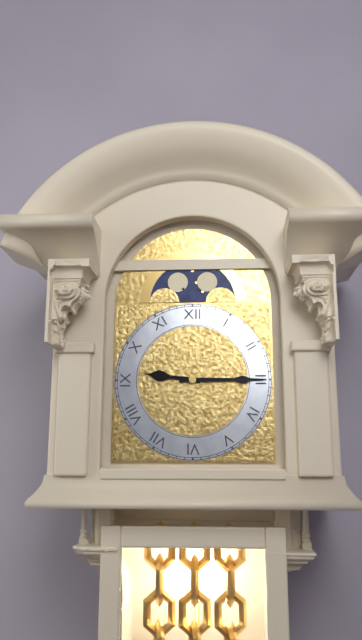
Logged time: 9,15
